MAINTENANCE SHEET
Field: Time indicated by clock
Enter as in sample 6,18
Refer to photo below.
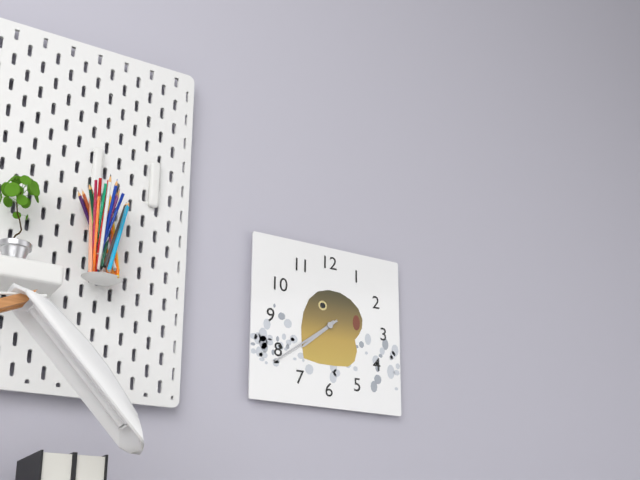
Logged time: 7,39
